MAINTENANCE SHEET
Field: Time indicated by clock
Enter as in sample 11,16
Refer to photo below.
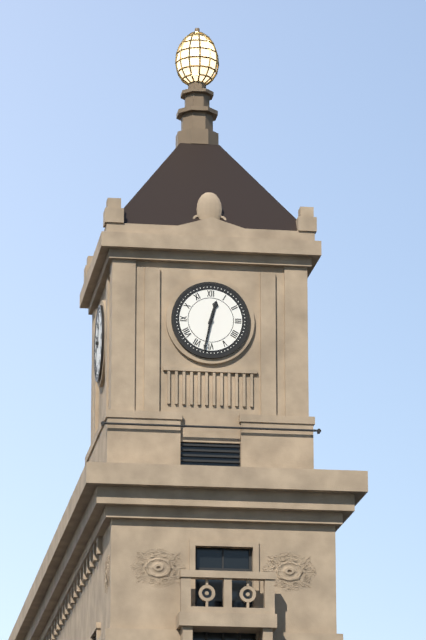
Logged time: 12,32
